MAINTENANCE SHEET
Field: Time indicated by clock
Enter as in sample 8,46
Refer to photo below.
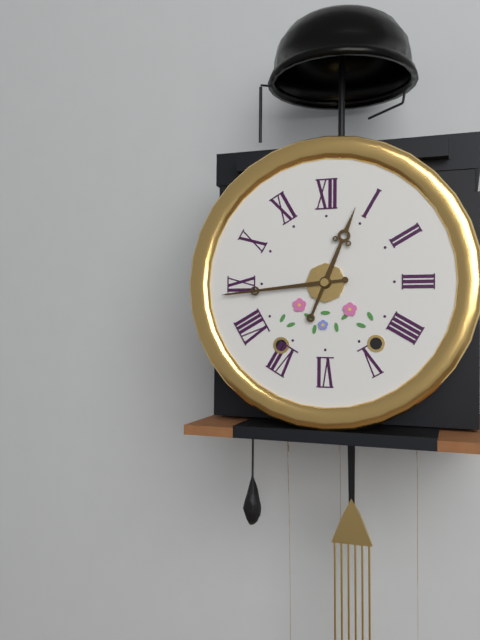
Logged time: 12,44
